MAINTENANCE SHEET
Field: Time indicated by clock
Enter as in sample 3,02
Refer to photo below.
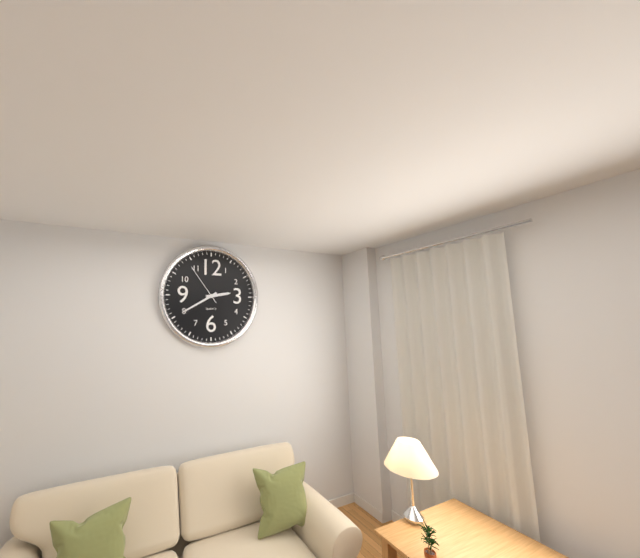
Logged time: 2,40
